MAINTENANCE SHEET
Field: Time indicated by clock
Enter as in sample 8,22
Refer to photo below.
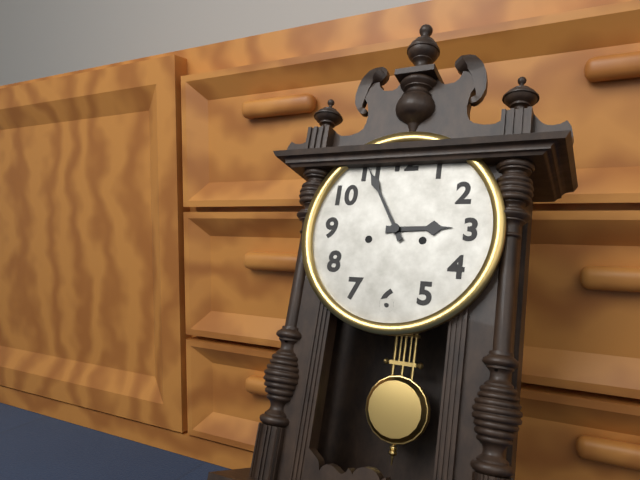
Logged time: 2,55
